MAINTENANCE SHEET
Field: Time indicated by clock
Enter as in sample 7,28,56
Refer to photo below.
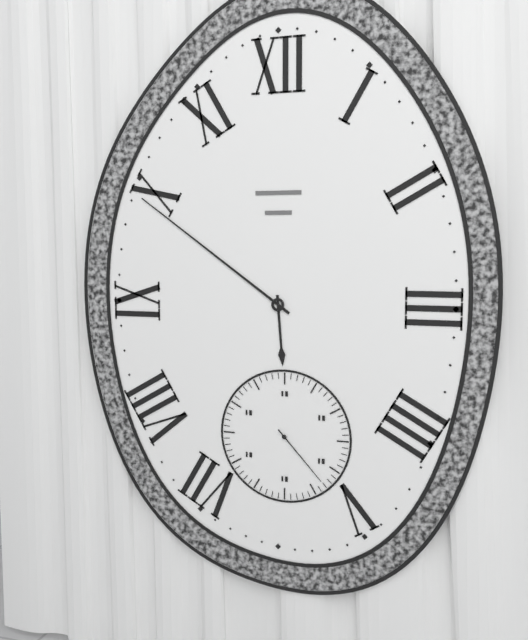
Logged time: 5,51,23
